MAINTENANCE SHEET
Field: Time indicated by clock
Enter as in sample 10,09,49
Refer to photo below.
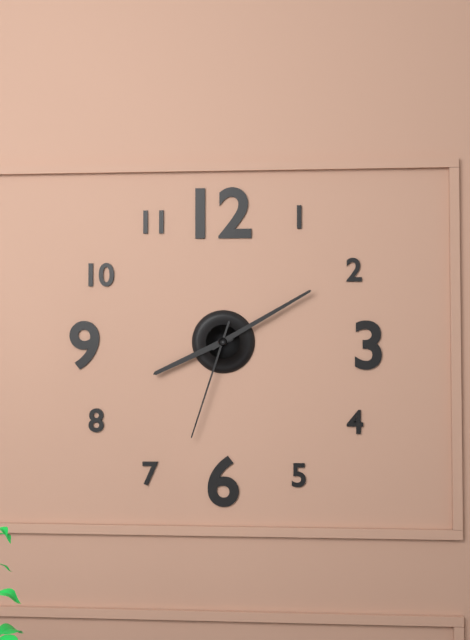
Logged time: 8,10,33
